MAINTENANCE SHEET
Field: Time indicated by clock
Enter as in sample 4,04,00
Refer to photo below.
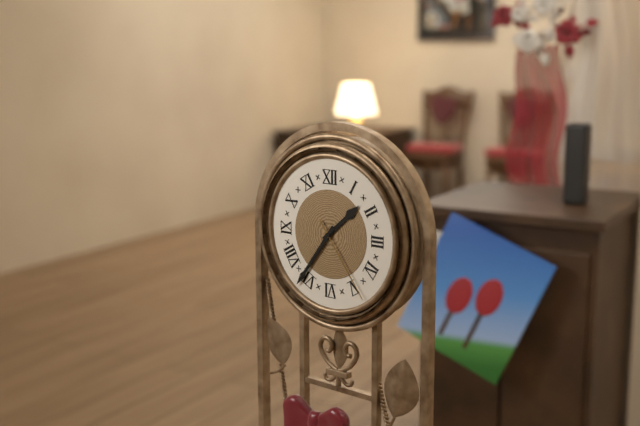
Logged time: 1,36,24
